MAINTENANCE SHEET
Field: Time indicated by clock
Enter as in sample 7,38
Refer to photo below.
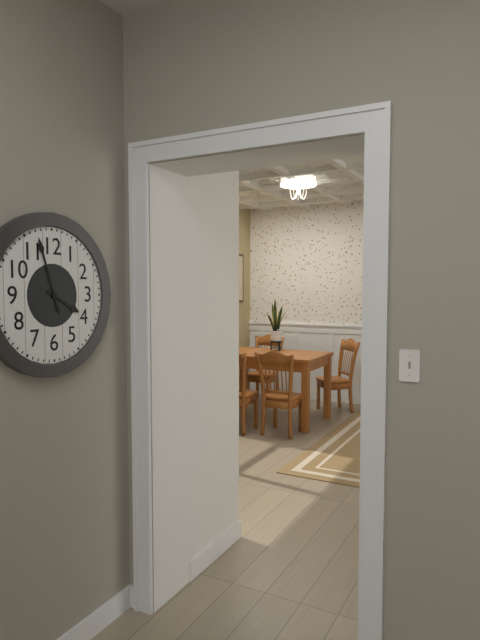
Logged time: 3,57
